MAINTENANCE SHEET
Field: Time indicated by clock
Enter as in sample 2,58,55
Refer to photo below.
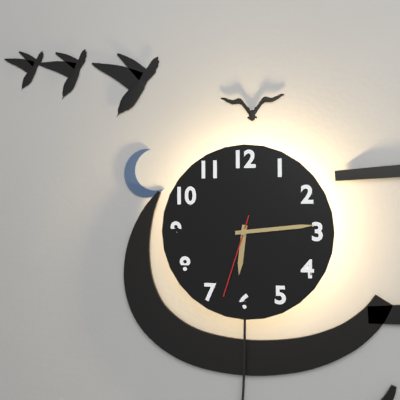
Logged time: 6,14,33
